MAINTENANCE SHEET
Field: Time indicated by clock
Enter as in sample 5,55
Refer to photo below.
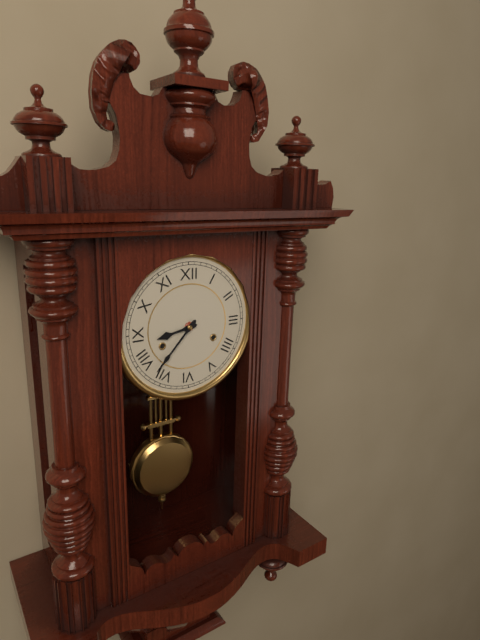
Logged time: 8,37
